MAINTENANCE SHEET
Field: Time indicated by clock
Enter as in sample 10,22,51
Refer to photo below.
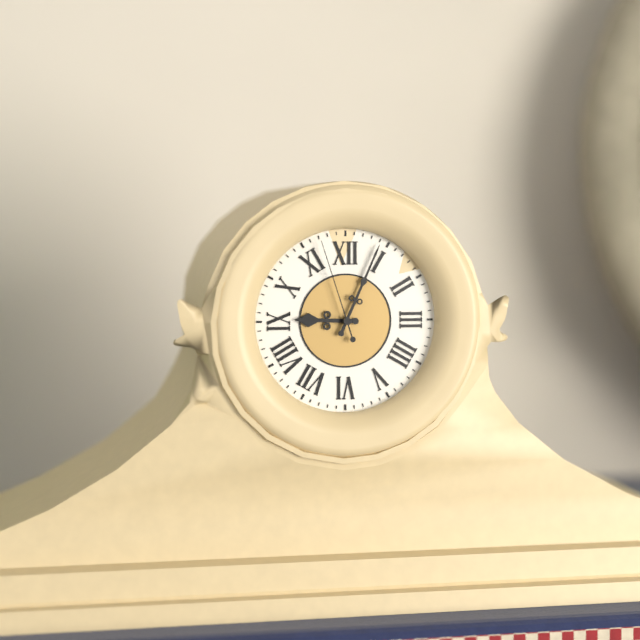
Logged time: 9,04,57
